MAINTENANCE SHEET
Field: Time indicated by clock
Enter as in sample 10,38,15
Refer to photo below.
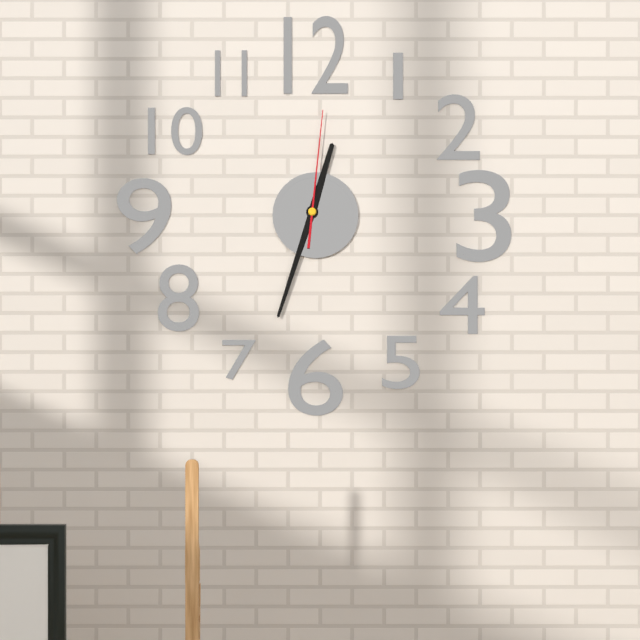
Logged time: 12,33,01
